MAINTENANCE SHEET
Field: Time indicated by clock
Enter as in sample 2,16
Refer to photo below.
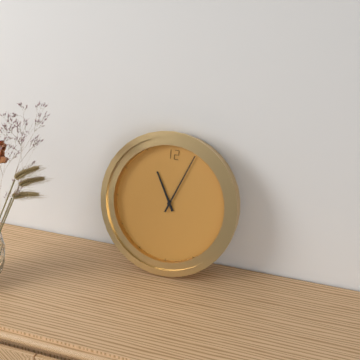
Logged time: 11,04
